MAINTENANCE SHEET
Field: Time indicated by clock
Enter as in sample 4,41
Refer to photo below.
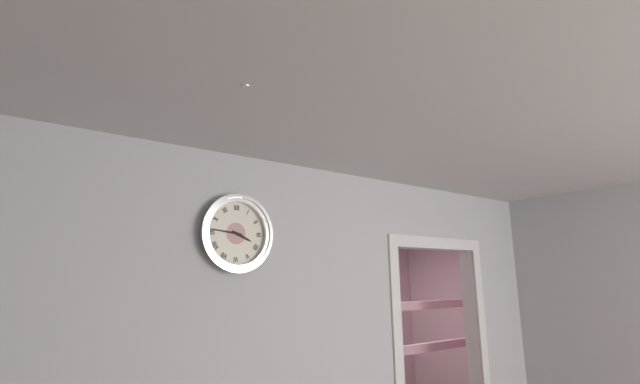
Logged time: 3,46
